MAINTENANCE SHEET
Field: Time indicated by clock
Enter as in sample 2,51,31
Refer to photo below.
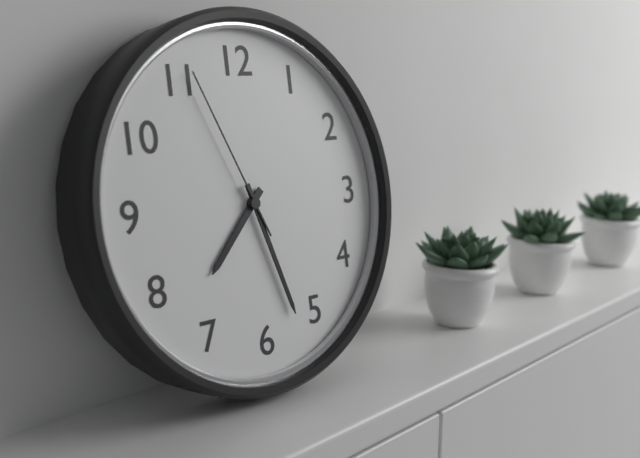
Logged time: 7,27,56
